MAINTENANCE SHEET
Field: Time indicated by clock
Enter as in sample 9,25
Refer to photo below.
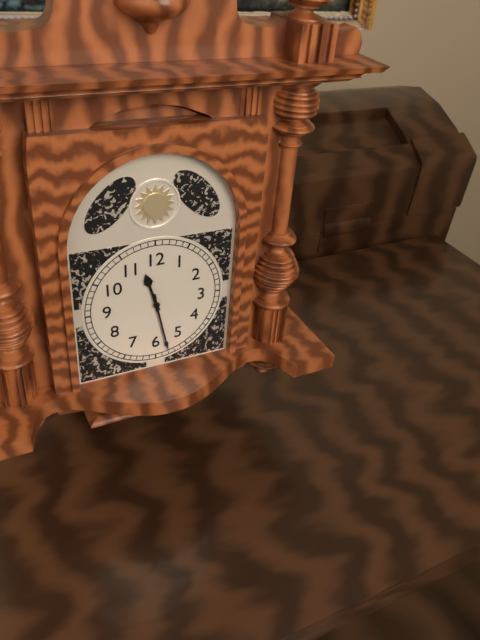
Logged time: 11,28
